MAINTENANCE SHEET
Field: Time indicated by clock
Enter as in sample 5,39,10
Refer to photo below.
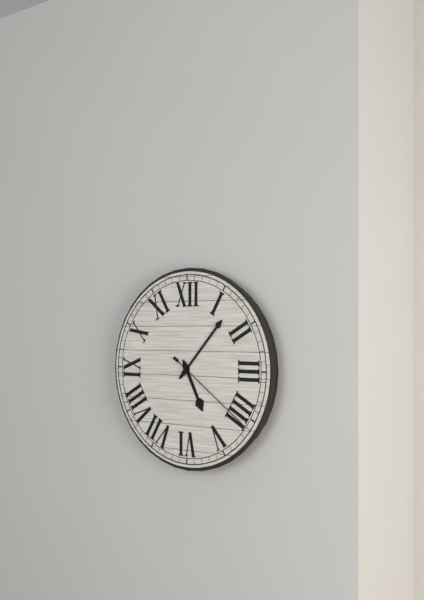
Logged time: 5,07,21
